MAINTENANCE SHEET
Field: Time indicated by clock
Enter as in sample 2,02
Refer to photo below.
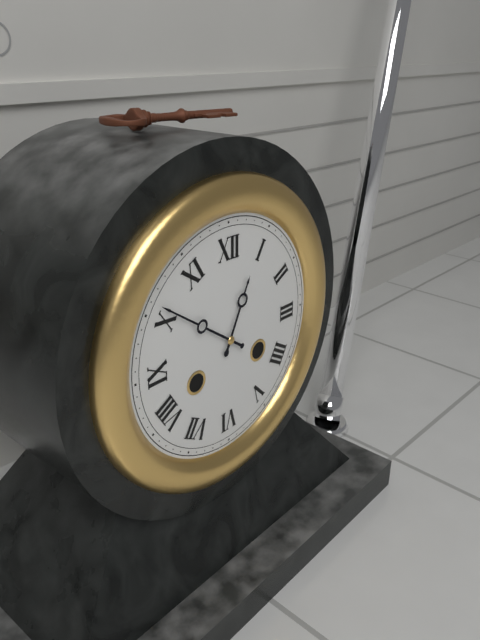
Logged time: 12,51
